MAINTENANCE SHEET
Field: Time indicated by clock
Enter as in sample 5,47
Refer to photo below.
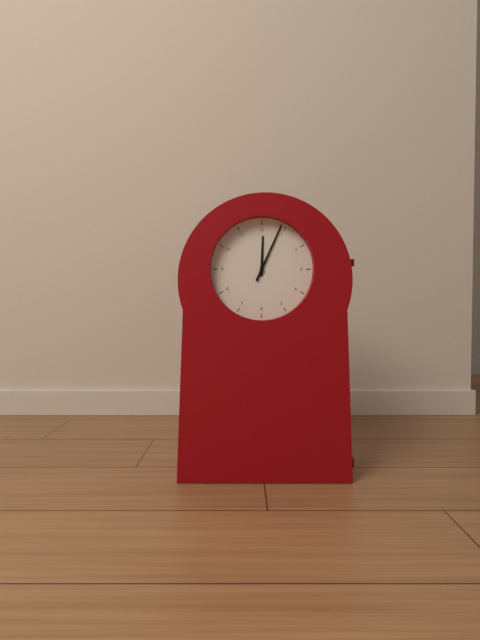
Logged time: 12,04
